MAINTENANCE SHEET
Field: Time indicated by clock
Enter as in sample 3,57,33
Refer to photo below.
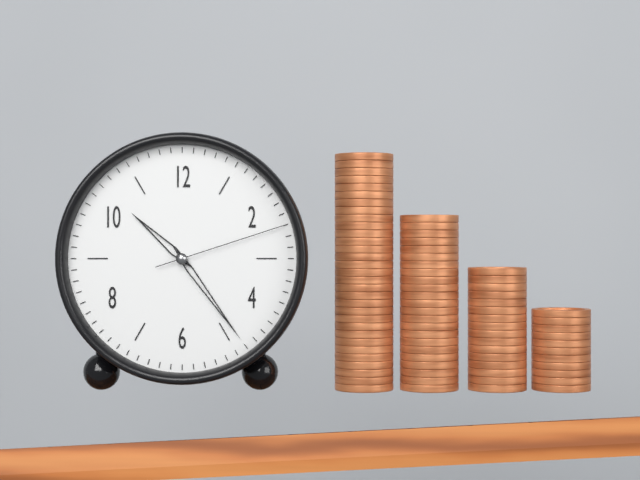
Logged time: 10,24,12
